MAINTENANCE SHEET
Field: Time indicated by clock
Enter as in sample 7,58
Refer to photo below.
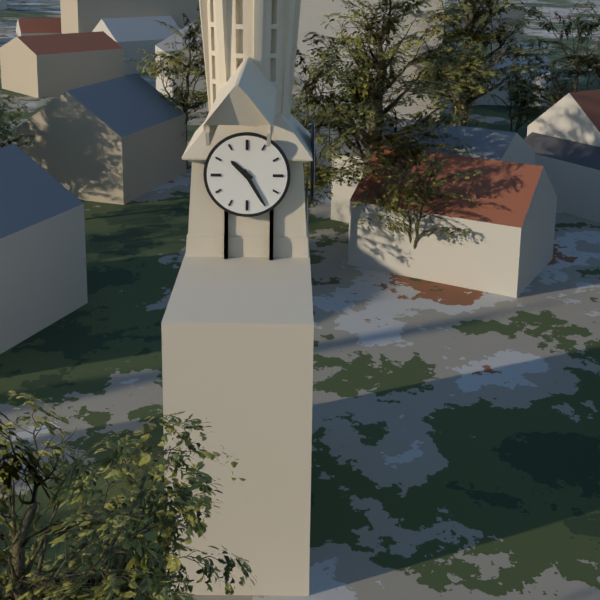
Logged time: 10,25
